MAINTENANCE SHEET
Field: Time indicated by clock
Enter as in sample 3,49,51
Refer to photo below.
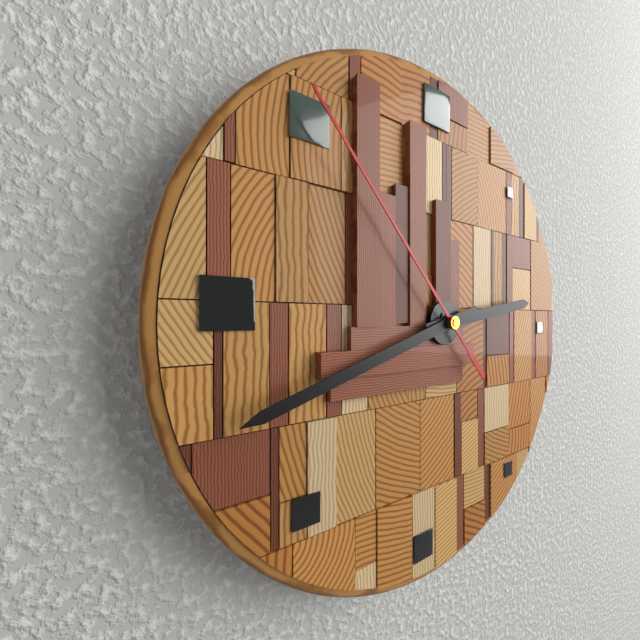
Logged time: 2,42,53
